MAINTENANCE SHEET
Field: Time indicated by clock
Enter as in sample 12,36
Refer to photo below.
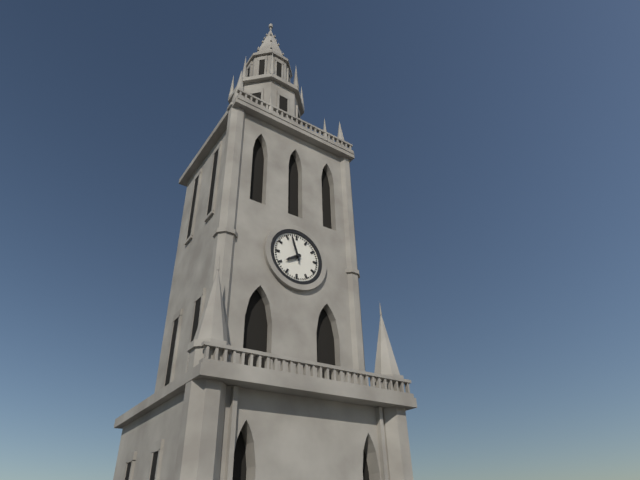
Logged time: 7,57
